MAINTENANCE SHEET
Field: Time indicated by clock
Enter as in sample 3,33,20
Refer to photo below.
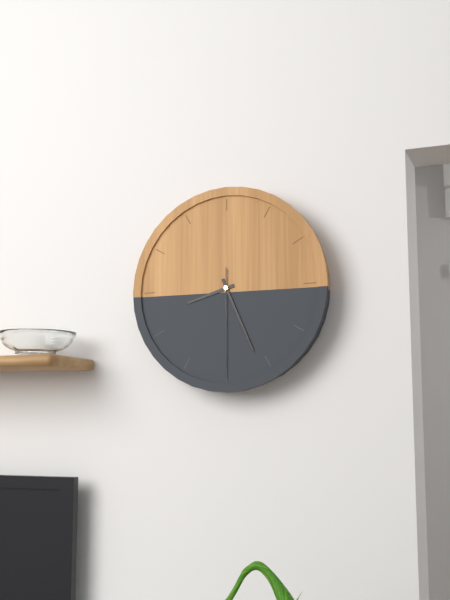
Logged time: 8,26,30
